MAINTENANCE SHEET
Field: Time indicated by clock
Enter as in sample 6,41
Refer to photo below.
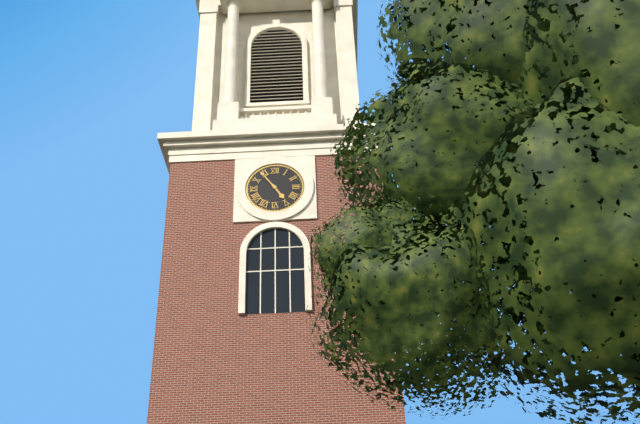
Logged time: 4,54
